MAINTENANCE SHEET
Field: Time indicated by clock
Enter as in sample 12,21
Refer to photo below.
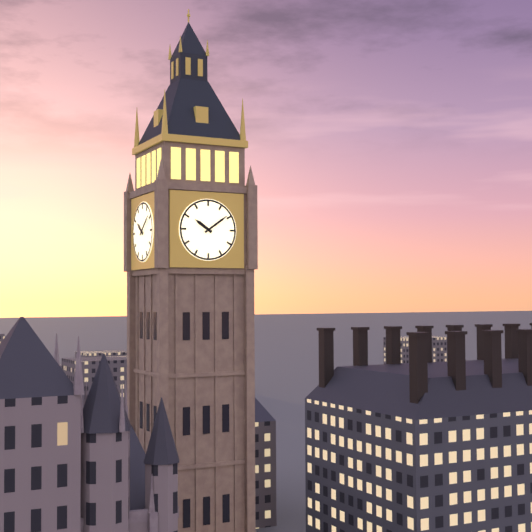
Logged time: 10,09
